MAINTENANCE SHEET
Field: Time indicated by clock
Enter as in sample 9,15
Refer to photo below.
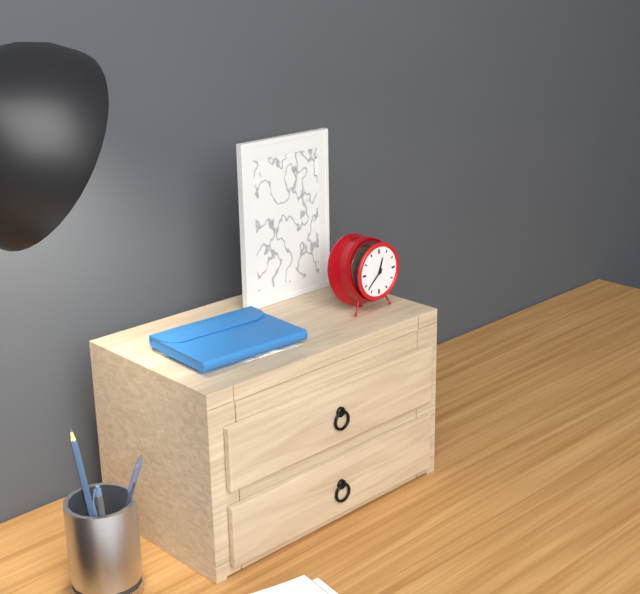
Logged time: 12,38
